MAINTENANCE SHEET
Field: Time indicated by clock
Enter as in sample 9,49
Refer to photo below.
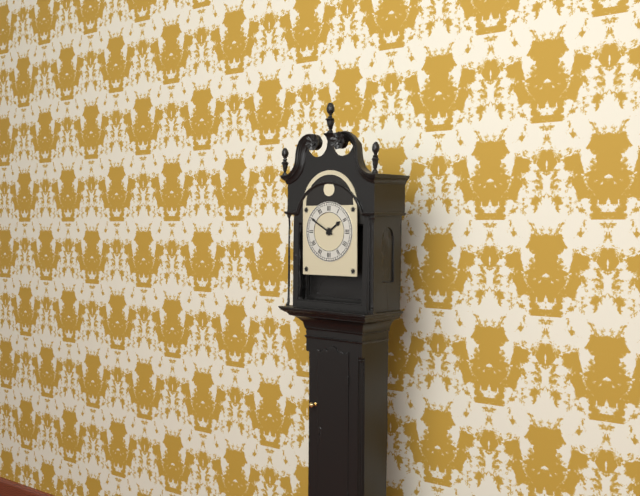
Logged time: 1,50
